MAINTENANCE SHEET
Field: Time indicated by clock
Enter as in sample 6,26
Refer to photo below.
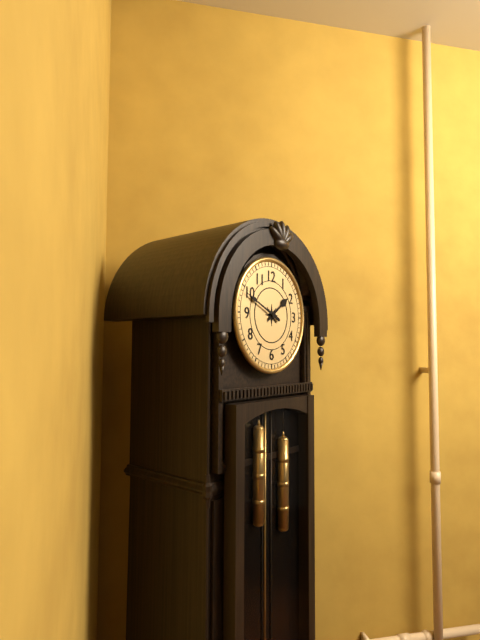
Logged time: 1,49
